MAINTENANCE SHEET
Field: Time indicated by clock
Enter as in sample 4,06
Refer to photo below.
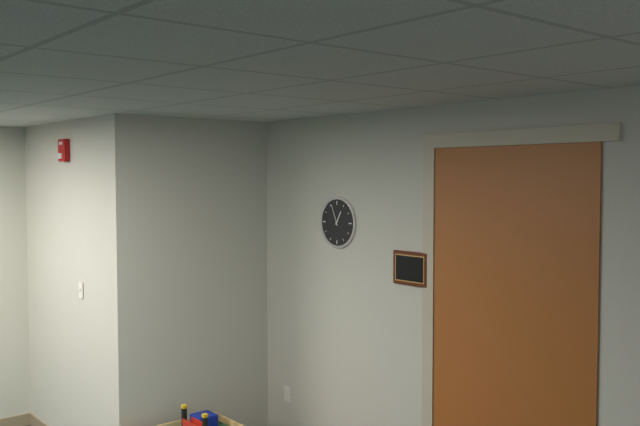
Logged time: 12,56
